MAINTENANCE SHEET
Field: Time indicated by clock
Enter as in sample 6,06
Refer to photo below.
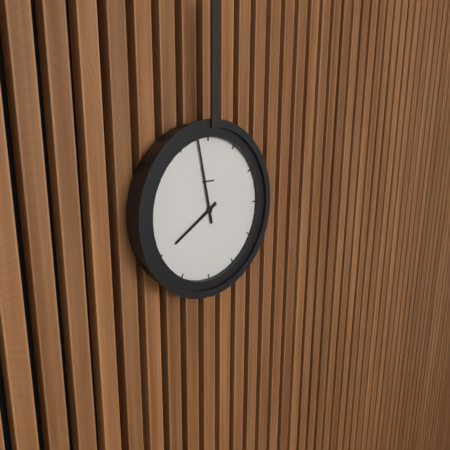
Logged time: 7,58
